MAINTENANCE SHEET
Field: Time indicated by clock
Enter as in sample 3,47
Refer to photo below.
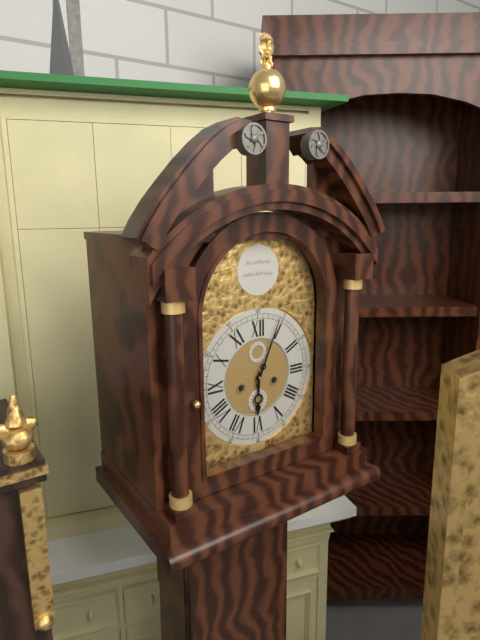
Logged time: 6,04
